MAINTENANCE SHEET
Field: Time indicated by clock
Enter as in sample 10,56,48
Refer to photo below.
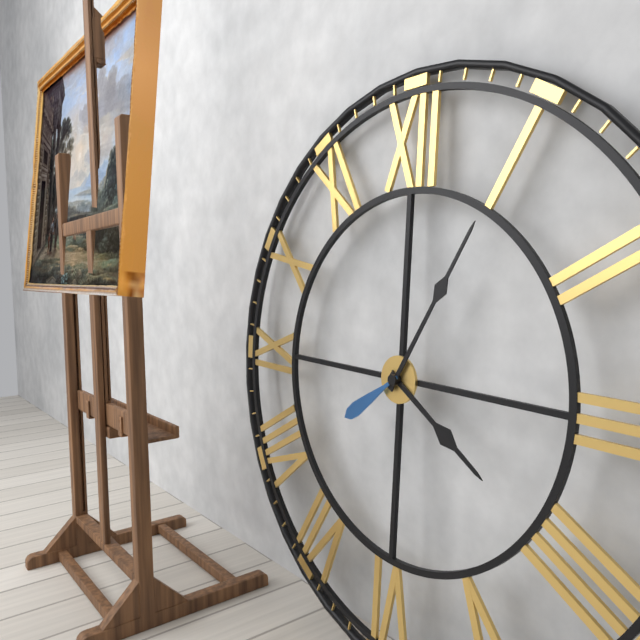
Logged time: 4,05,39
